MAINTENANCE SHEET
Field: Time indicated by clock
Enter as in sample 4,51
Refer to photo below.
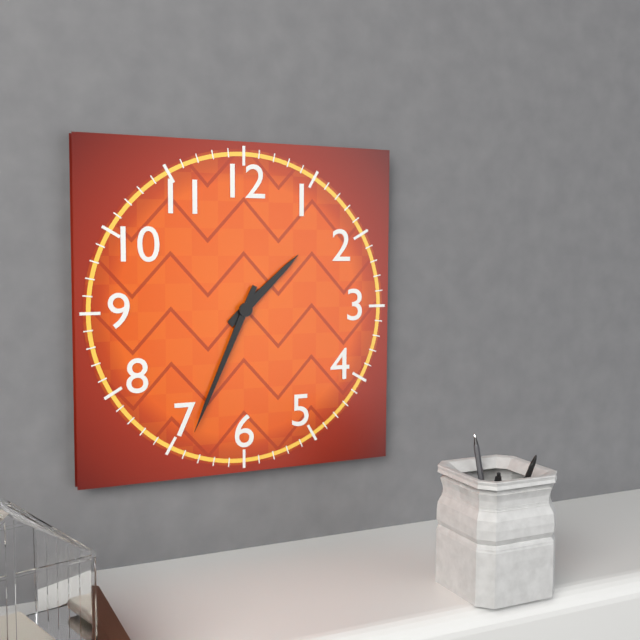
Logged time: 1,34
